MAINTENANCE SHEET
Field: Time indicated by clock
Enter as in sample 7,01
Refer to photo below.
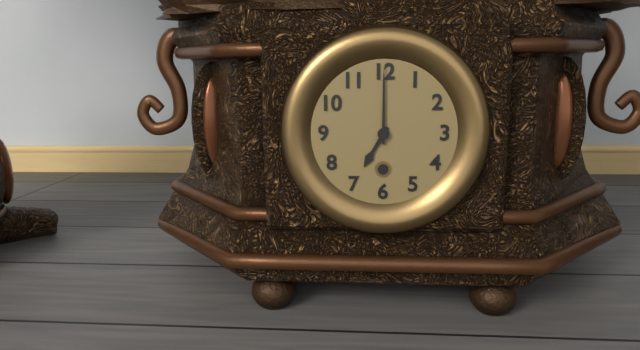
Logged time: 7,00
